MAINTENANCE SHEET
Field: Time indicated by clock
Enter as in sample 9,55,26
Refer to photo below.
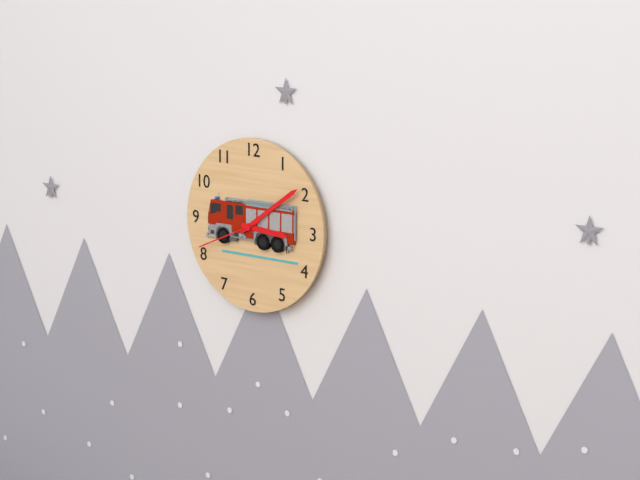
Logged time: 3,09,41
